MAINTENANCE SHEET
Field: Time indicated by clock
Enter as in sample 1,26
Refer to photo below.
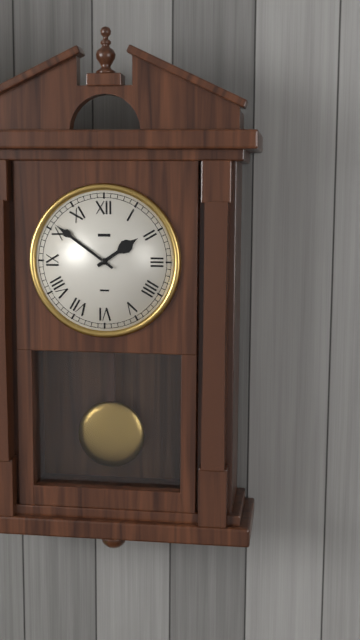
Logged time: 1,51
